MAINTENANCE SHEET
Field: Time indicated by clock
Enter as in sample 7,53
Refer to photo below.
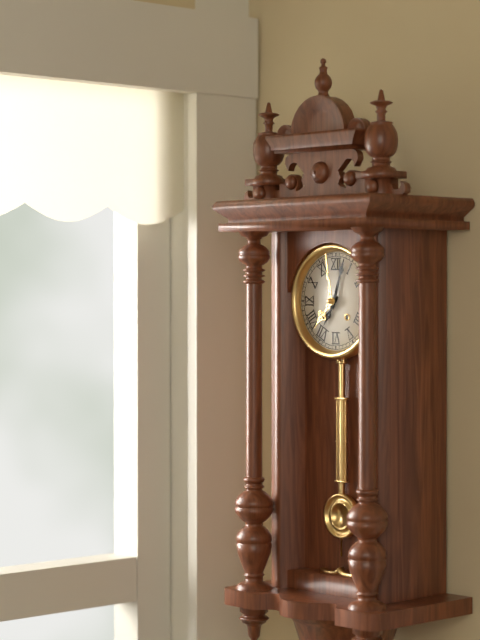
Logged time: 7,03
